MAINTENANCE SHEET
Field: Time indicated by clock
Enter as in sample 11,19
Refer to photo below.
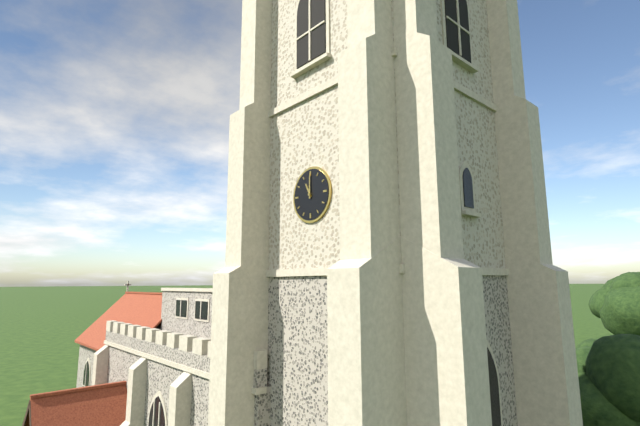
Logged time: 11,00
